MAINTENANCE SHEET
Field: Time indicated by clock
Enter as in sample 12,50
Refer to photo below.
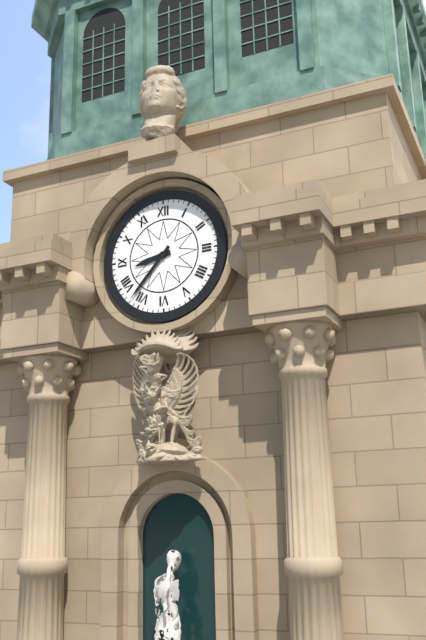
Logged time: 8,37
